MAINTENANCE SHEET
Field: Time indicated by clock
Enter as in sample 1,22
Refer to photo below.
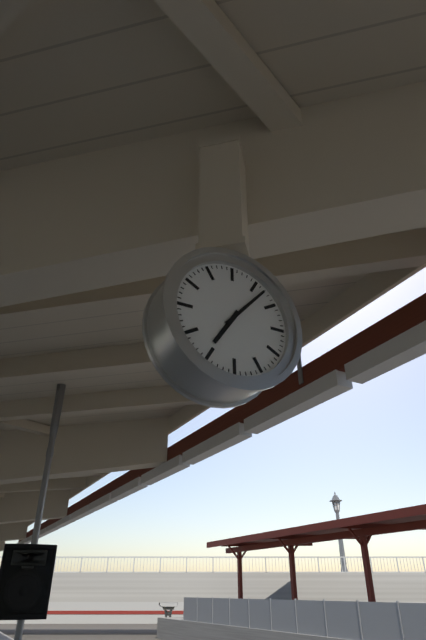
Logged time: 7,07
